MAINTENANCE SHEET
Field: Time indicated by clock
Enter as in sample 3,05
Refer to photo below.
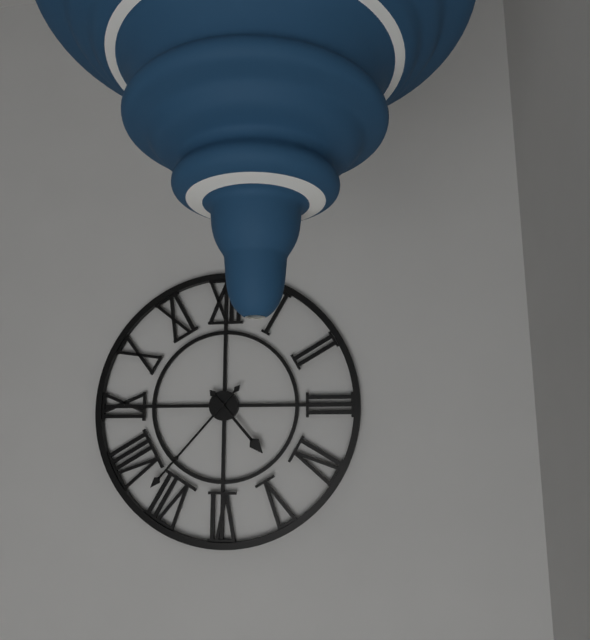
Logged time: 4,37
